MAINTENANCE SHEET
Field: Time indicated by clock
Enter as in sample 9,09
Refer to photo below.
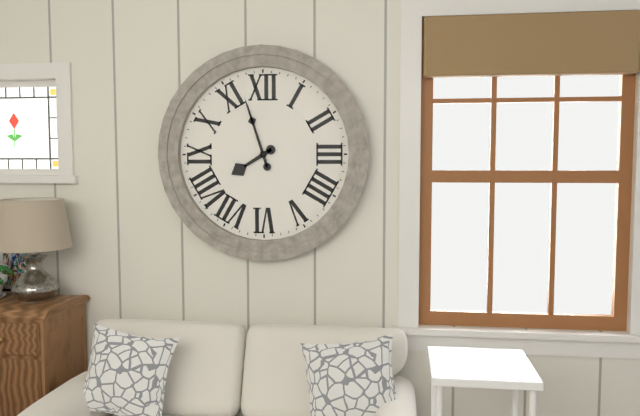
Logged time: 7,57
